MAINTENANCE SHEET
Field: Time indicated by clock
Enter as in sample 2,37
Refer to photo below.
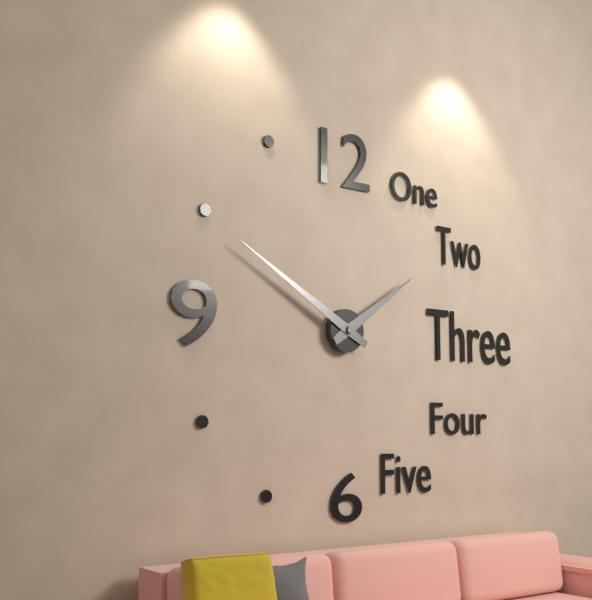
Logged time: 1,50
